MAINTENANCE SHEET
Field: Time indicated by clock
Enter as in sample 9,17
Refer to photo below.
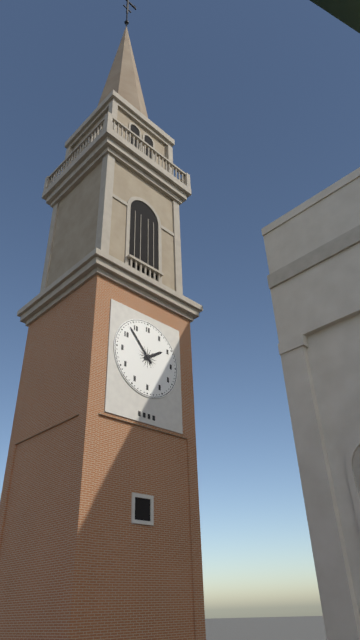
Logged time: 1,53
